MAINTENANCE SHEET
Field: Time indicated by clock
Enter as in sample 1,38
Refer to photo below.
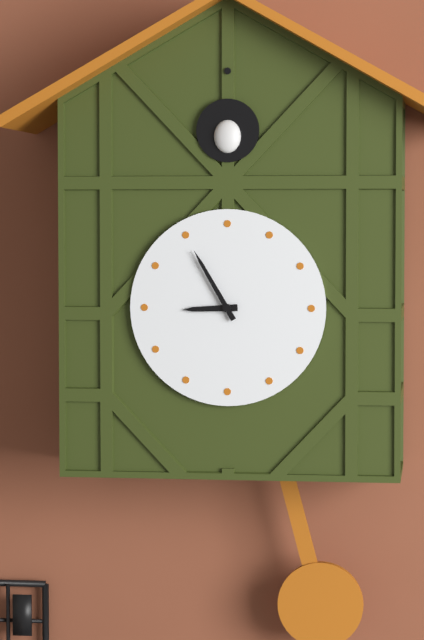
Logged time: 8,55
